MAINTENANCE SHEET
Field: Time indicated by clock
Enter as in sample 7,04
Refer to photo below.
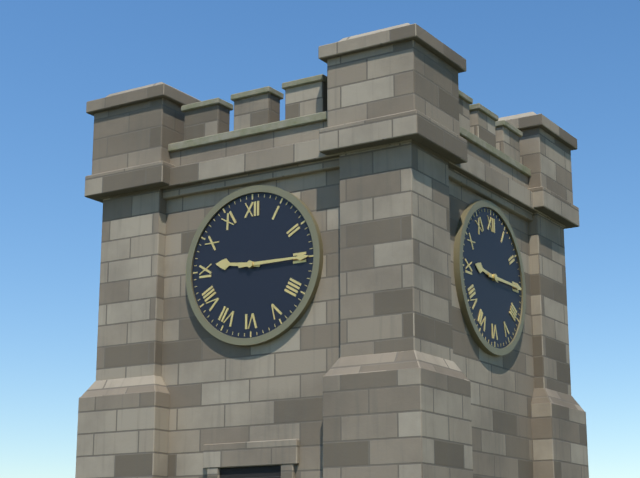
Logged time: 9,15
